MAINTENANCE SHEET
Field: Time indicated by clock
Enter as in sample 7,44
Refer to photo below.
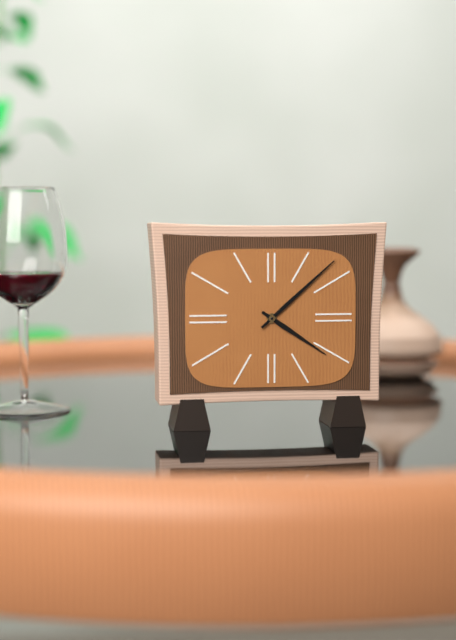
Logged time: 4,08
